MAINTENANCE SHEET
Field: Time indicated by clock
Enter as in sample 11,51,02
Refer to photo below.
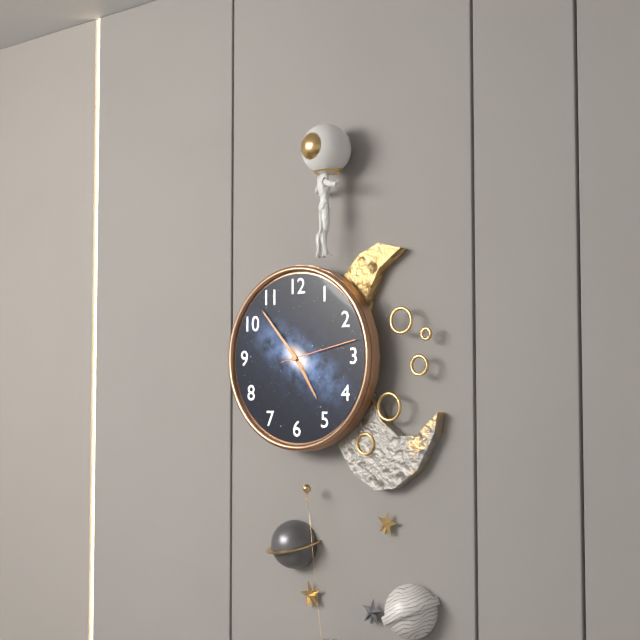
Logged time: 4,53,13
